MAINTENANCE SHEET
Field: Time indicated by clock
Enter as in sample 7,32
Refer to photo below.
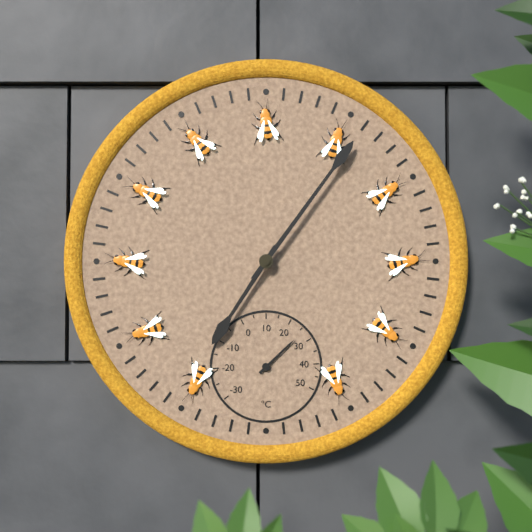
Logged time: 7,06
